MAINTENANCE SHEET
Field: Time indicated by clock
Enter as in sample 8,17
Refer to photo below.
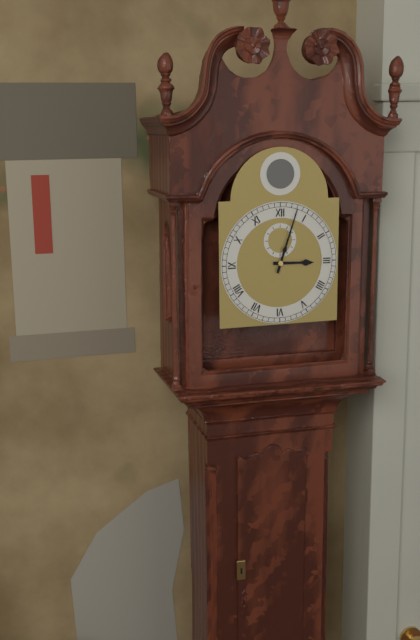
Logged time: 3,03
